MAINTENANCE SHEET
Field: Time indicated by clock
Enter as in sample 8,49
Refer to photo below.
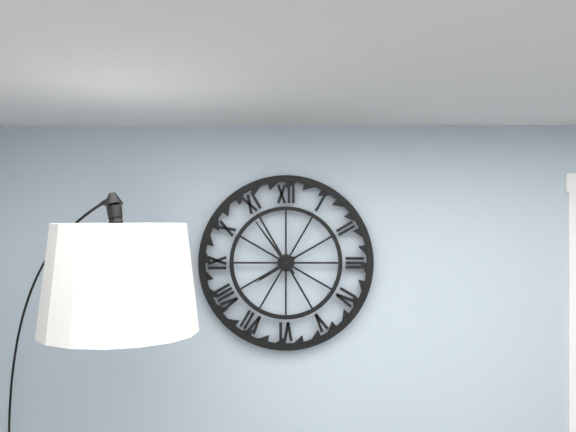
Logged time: 7,54
